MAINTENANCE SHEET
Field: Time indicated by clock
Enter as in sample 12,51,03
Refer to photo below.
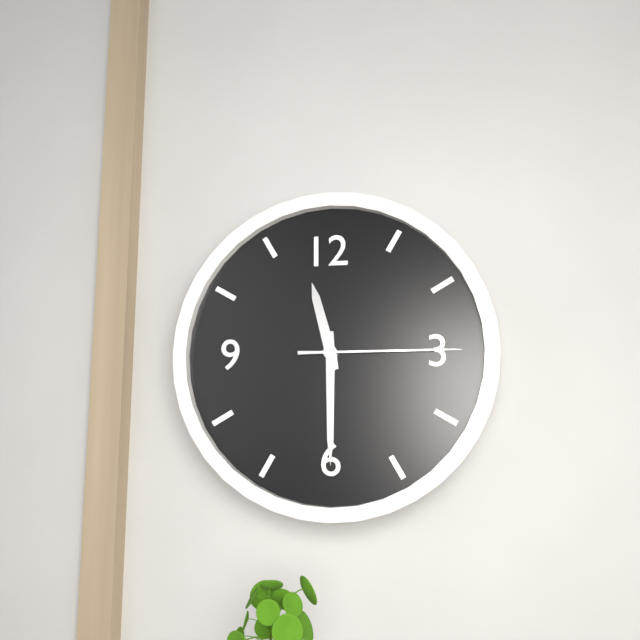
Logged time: 11,30,15
